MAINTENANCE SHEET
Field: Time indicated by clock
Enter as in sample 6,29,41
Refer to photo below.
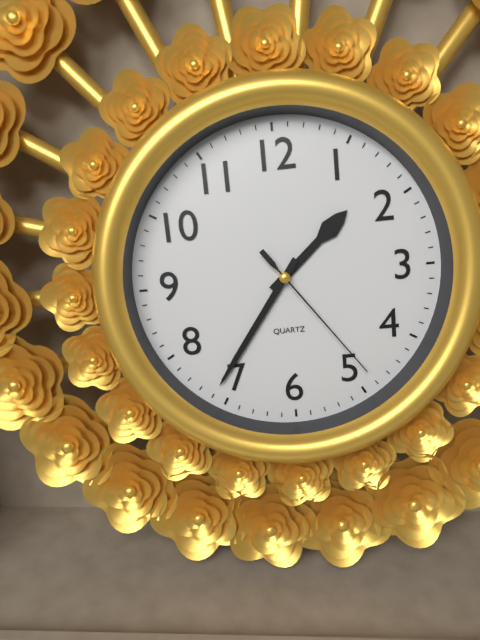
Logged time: 1,36,24
